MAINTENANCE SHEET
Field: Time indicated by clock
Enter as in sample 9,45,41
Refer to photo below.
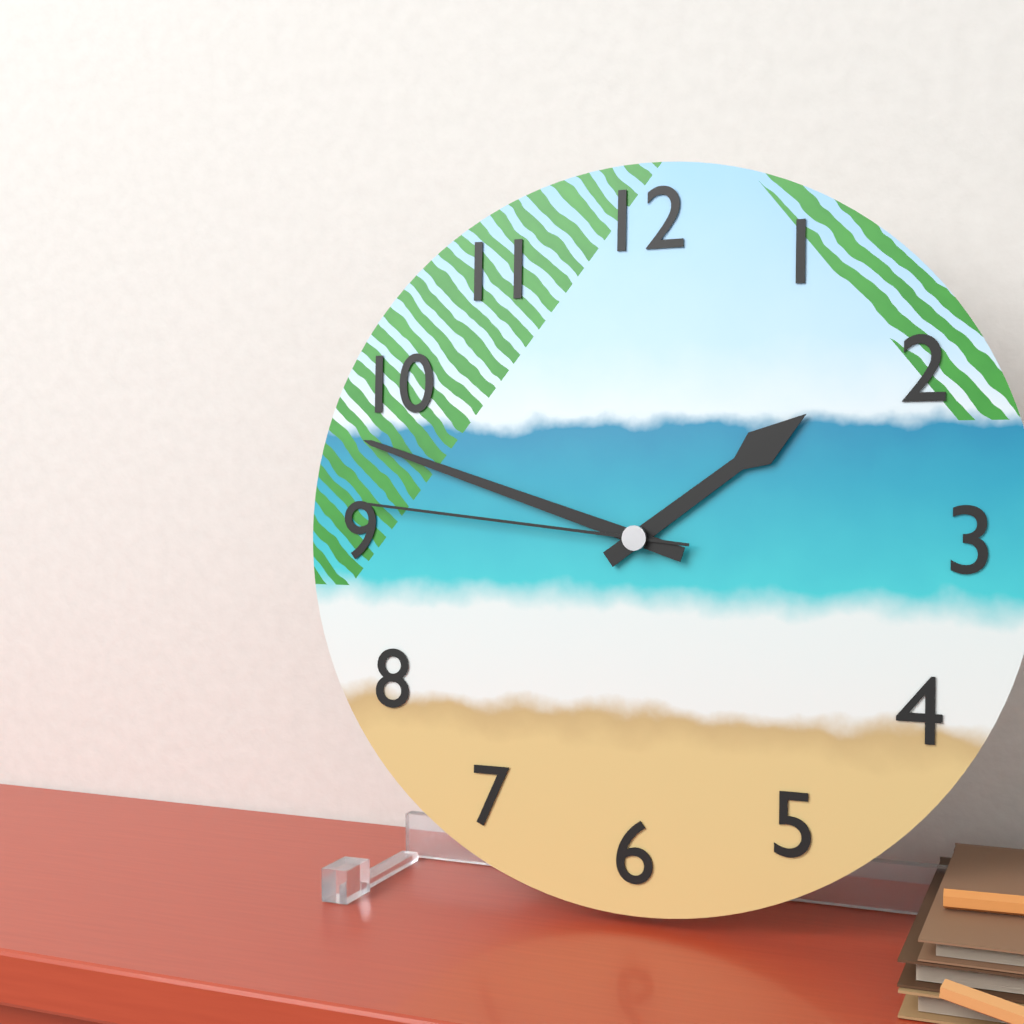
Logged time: 1,48,46
